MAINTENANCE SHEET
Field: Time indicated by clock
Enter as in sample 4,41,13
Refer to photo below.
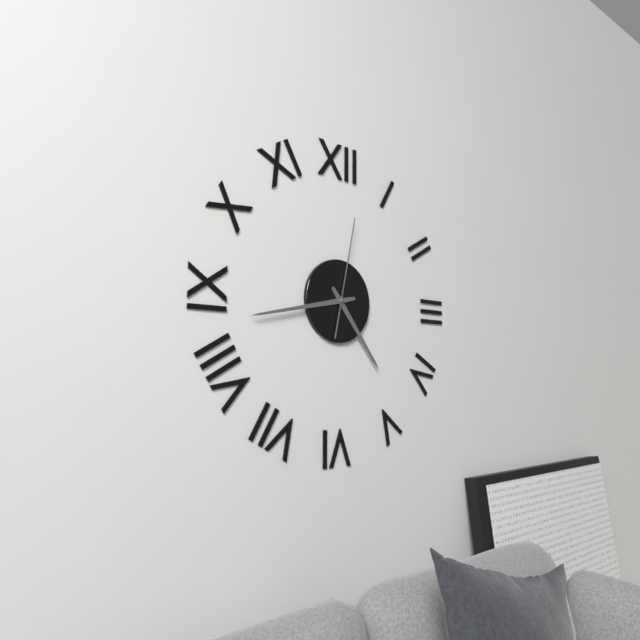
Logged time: 4,43,02
